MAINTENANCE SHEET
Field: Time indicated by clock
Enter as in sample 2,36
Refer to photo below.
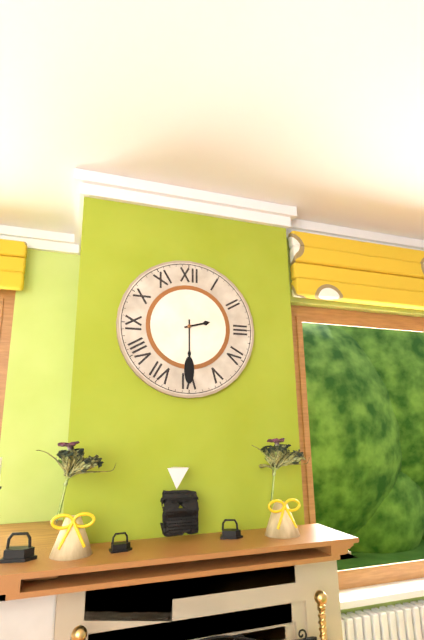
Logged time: 2,30
